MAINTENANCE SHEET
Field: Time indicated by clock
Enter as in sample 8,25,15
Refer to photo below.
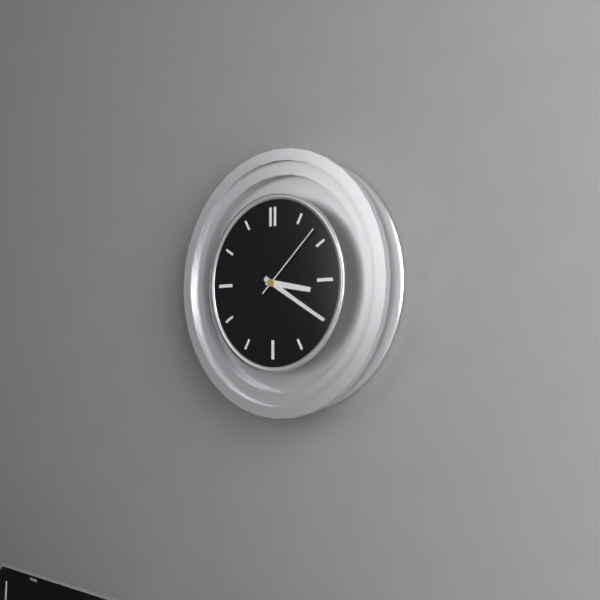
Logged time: 3,20,08
